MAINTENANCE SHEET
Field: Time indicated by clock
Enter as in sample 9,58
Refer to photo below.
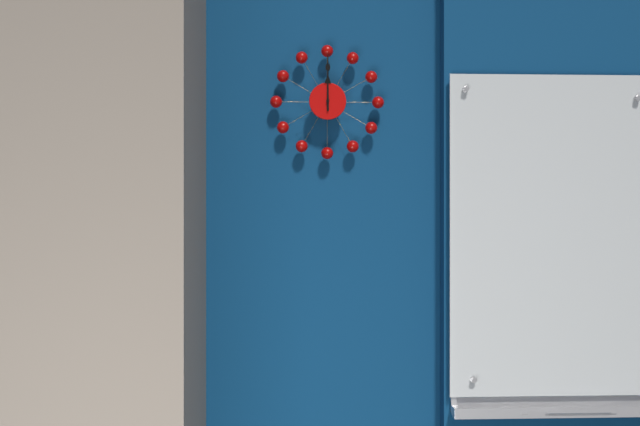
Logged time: 12,00
